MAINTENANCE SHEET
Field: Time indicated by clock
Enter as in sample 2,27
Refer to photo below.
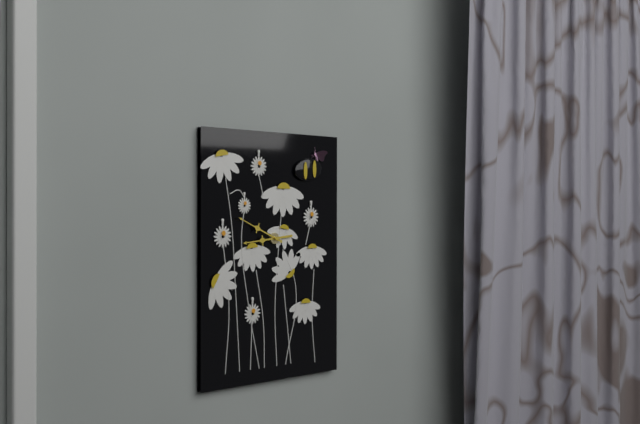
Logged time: 8,49
